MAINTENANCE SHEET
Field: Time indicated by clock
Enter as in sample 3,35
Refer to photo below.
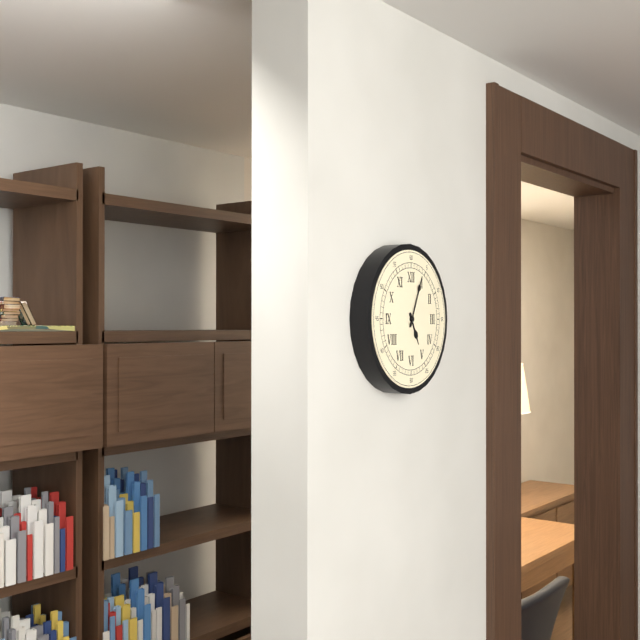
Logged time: 5,04
